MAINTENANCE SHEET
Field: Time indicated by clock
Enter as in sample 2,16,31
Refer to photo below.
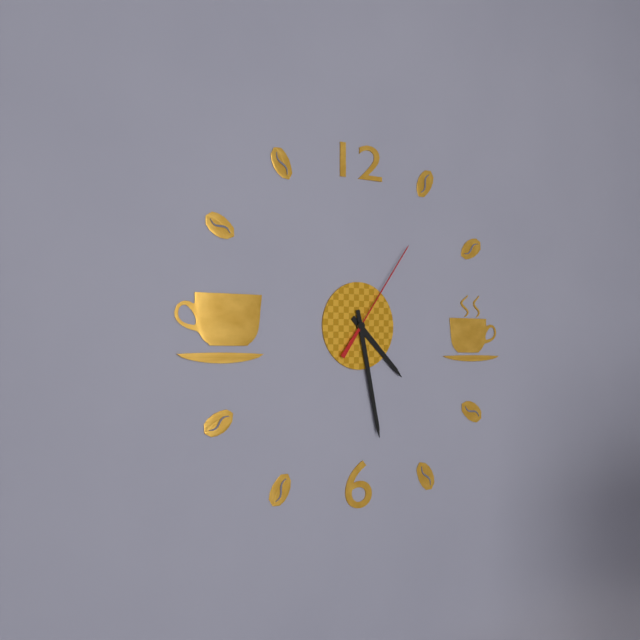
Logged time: 4,28,06
